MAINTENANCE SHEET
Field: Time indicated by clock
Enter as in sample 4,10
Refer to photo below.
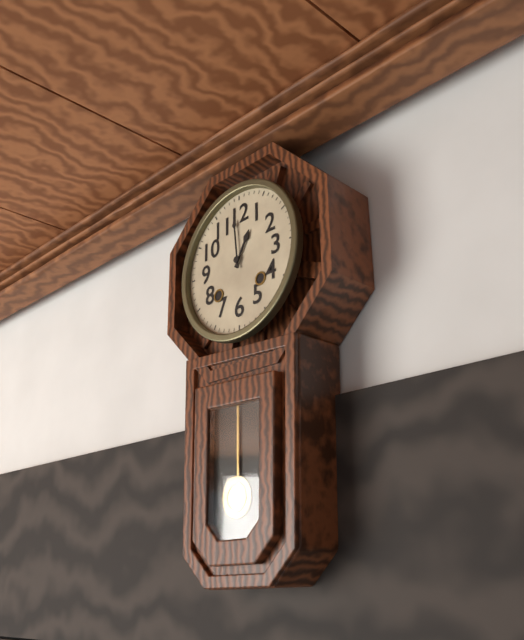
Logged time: 12,59
